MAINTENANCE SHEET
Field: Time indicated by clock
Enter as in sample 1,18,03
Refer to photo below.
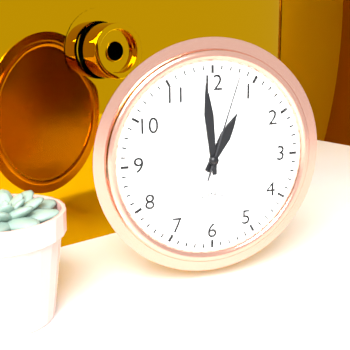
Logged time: 12,59,03
